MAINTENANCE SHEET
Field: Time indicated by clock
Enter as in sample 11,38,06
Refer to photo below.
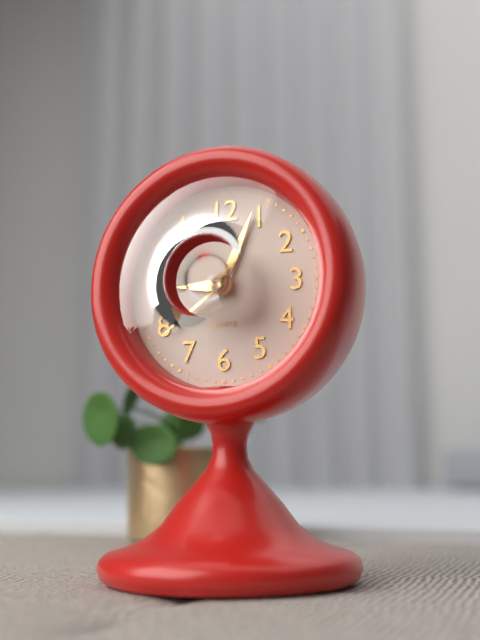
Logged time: 9,04,39
